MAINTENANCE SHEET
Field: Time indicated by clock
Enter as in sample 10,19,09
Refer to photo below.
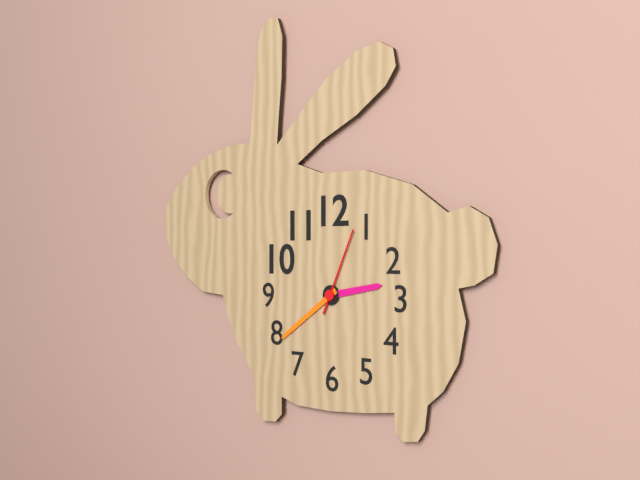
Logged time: 2,39,04
